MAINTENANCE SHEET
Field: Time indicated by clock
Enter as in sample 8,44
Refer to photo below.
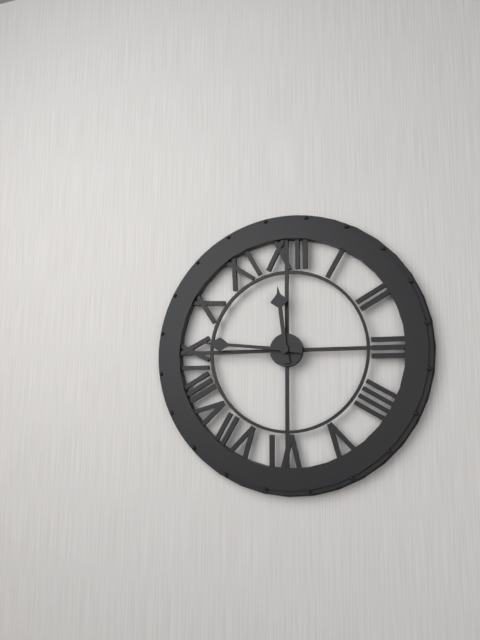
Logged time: 11,46
